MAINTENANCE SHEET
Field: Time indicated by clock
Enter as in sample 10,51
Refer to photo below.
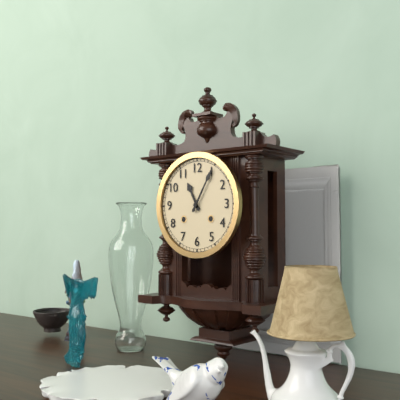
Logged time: 11,05
